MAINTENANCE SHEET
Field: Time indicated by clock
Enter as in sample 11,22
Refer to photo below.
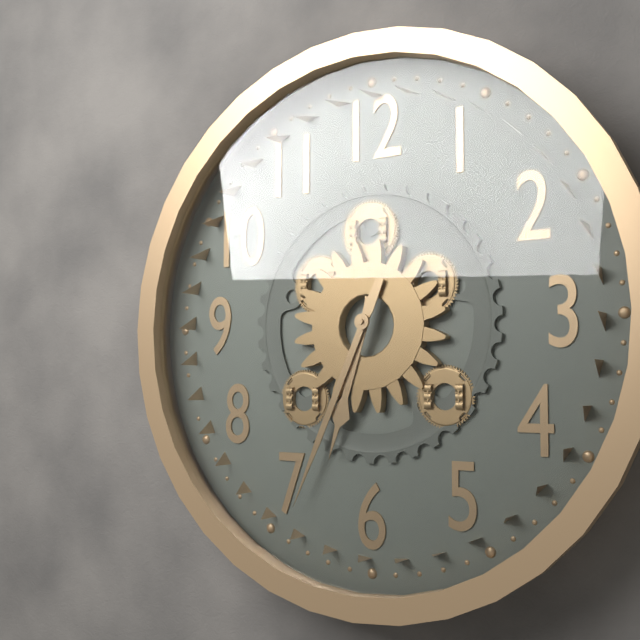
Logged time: 6,34
